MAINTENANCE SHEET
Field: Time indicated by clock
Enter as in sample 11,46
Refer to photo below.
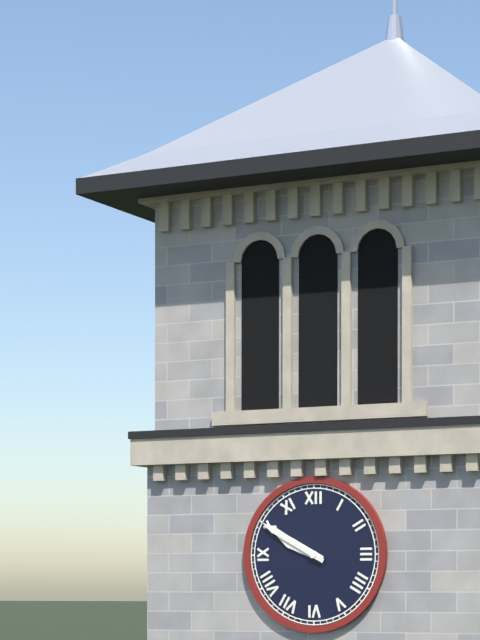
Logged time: 9,50
